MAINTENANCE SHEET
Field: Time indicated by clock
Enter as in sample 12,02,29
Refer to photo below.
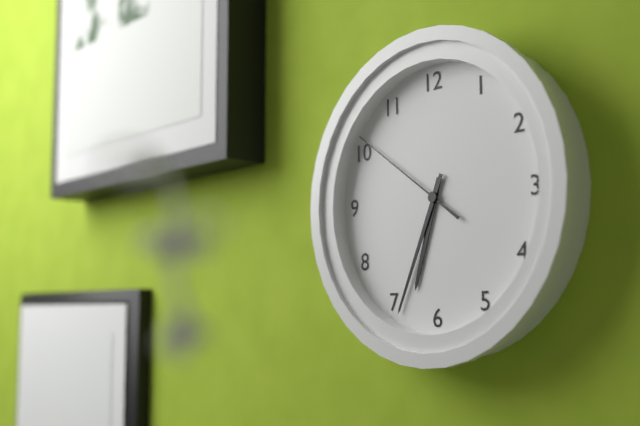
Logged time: 6,34,51
